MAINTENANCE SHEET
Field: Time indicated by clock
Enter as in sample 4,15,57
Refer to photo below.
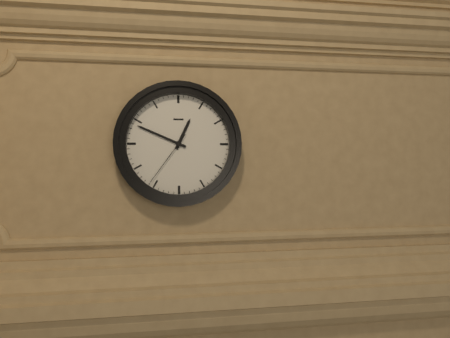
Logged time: 12,49,36
